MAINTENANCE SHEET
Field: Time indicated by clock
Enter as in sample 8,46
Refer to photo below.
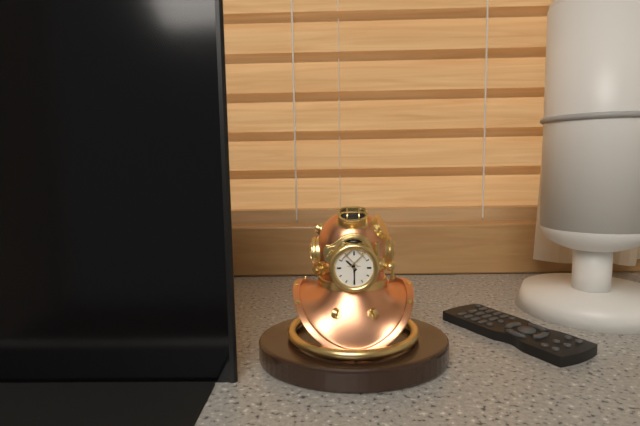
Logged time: 10,30
